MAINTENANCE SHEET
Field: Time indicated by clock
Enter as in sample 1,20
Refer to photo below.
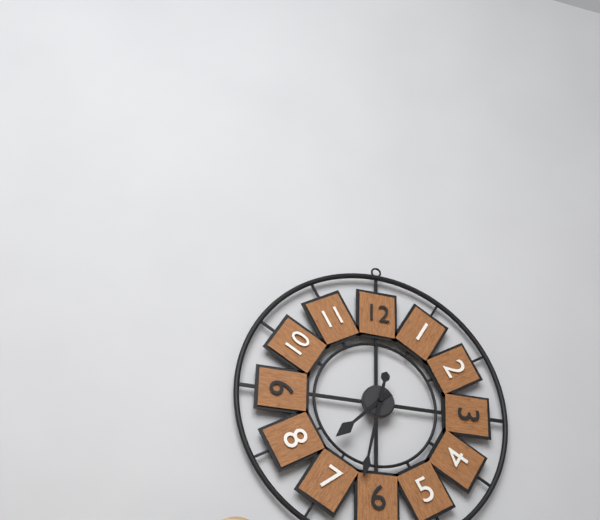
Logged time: 7,32
